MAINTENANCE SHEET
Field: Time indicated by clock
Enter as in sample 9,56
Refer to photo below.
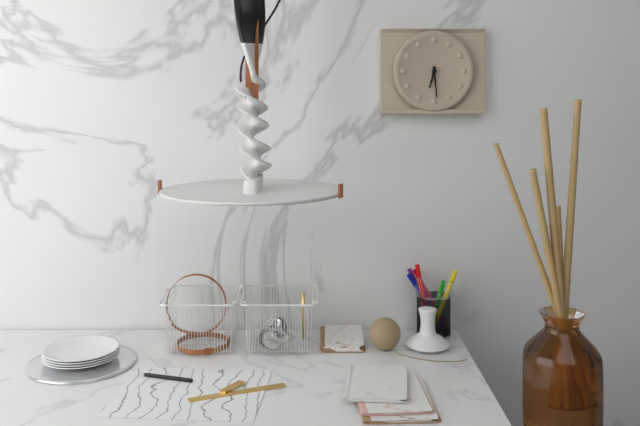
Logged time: 6,29
